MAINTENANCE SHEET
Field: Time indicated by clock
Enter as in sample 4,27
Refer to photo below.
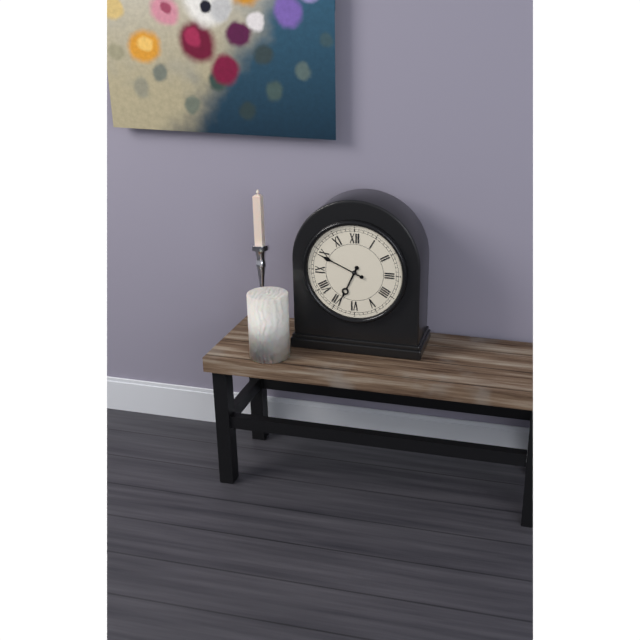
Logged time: 6,49
